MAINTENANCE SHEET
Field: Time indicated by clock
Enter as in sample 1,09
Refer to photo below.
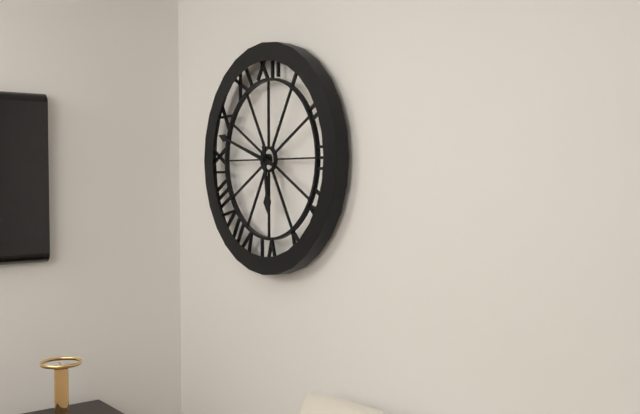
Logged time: 5,48
